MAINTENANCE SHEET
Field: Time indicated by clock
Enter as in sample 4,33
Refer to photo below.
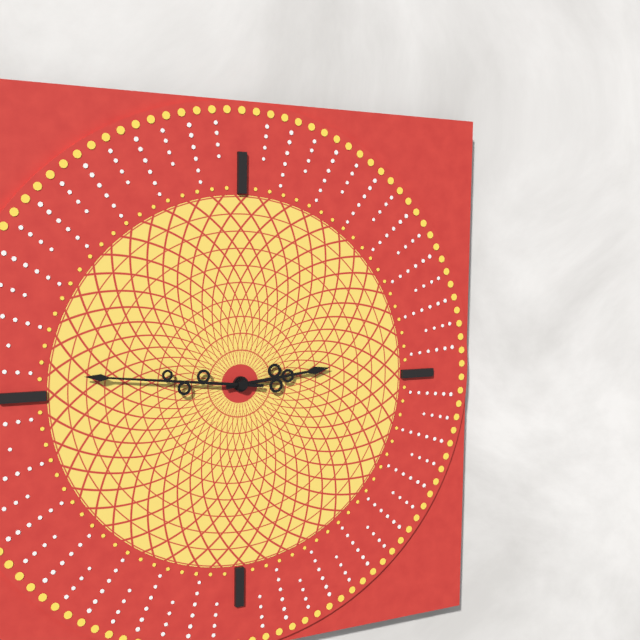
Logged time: 2,46
